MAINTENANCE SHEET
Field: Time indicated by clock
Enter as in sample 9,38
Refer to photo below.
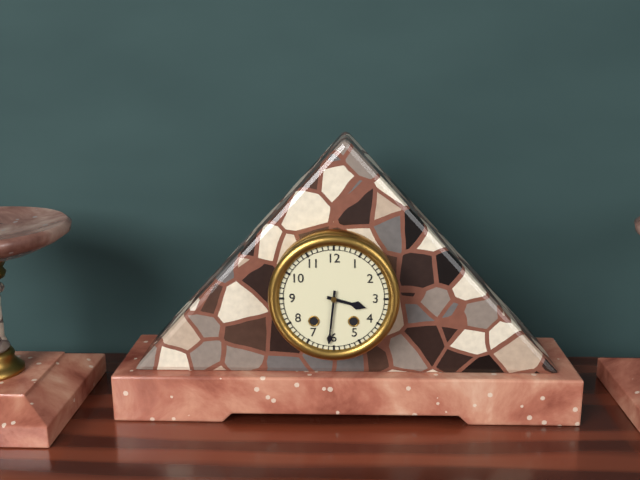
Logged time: 3,31
